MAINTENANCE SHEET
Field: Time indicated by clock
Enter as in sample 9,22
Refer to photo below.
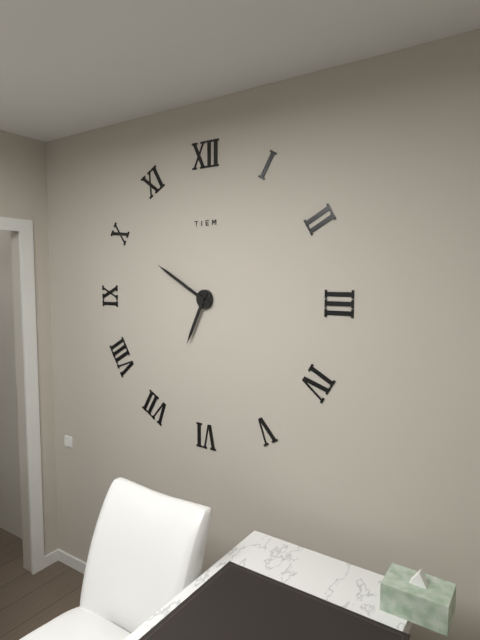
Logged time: 6,50
